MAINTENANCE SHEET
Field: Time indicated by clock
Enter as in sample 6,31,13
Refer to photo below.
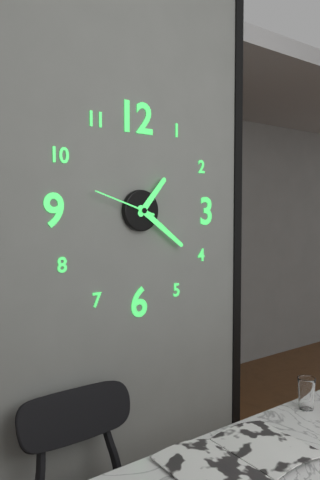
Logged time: 1,21,48
